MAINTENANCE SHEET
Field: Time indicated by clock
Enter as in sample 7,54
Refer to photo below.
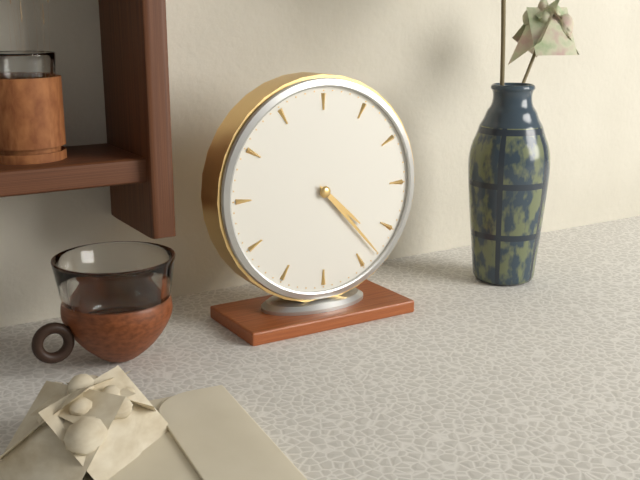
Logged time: 4,23
